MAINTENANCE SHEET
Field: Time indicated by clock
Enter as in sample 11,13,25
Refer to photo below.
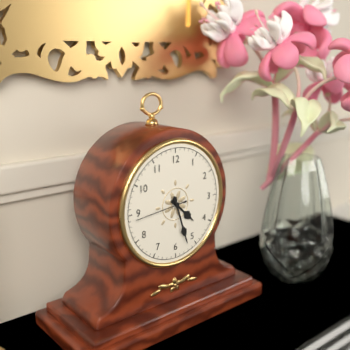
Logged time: 4,27,44
